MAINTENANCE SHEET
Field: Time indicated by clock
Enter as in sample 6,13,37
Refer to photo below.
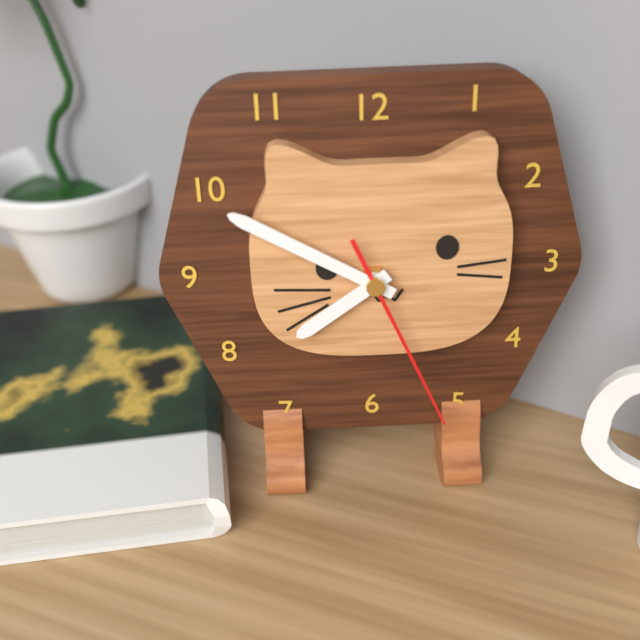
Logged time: 7,50,26
